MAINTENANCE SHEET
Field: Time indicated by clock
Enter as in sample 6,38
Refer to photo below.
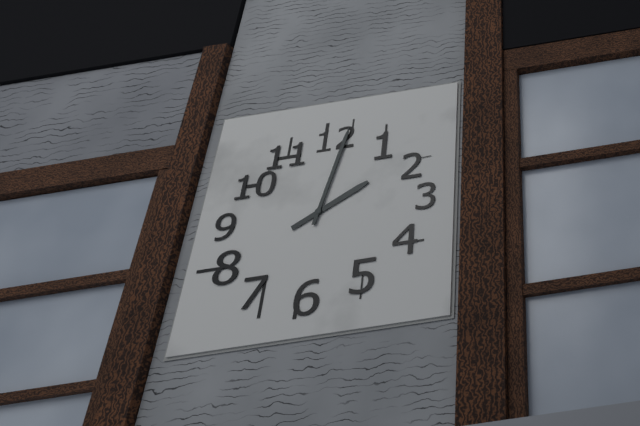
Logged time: 2,02
